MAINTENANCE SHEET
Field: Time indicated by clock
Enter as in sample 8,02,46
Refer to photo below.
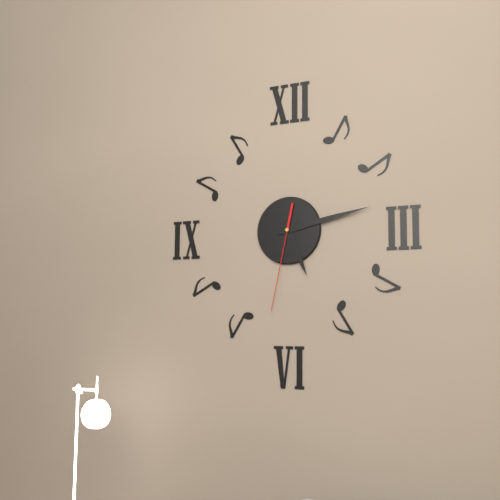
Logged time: 5,13,32
